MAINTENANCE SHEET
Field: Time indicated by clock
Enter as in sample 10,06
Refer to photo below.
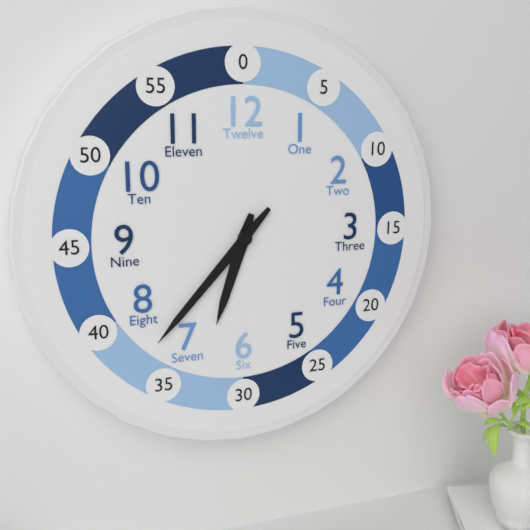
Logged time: 6,37
